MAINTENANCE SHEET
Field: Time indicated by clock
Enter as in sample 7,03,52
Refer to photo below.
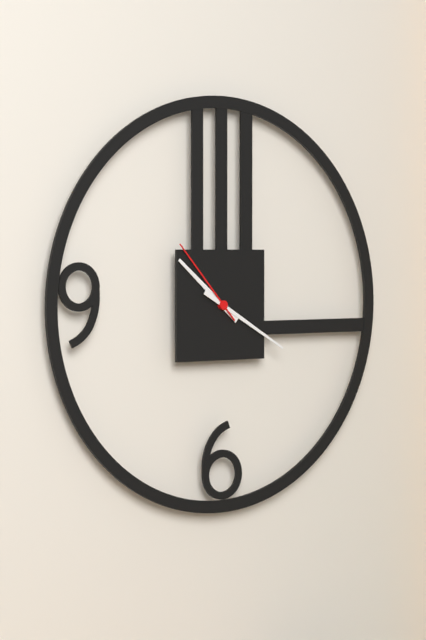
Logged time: 10,20,53
